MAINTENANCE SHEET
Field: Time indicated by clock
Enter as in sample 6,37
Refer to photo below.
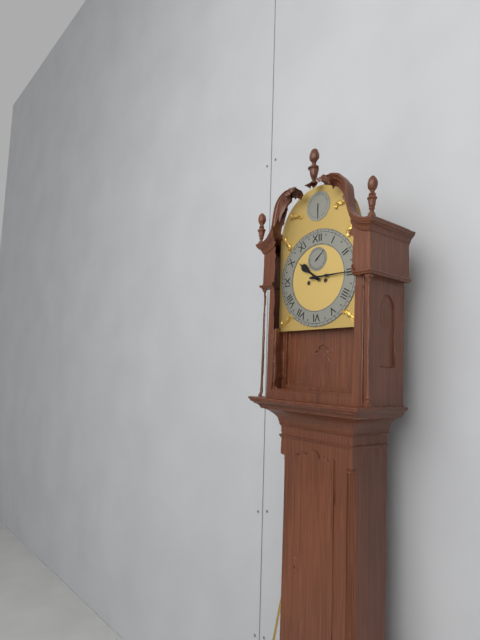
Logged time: 10,15
